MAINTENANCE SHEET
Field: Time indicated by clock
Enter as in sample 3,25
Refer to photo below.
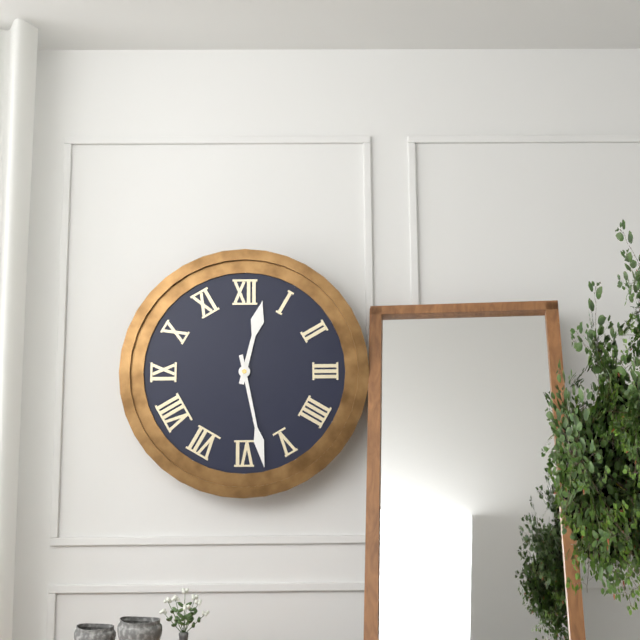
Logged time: 12,28
